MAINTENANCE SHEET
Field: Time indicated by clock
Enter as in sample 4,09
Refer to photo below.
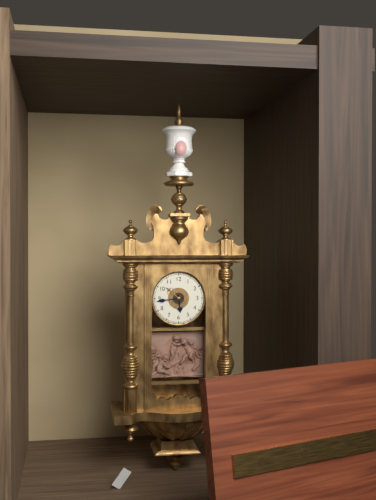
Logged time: 5,44
